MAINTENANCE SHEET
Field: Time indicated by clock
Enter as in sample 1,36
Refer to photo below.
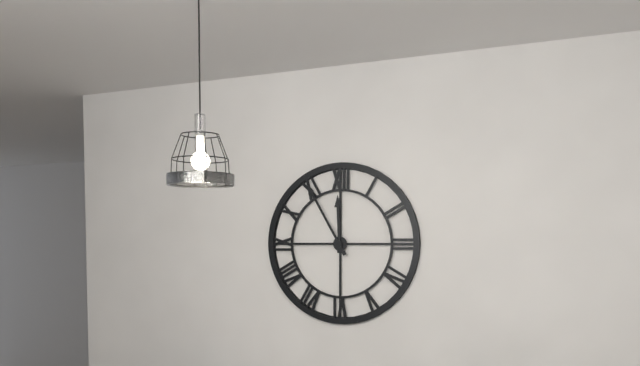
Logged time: 11,55
